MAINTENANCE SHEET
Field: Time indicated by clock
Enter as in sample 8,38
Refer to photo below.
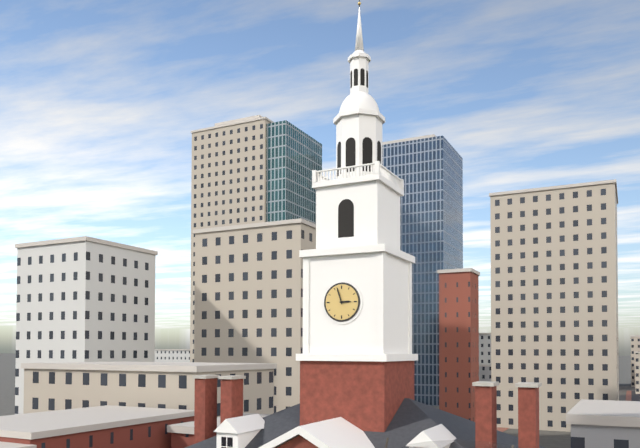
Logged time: 2,57
